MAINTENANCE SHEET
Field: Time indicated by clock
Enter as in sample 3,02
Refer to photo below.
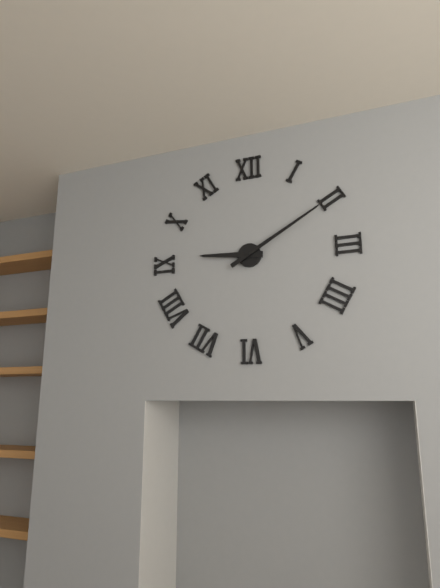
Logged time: 9,10
